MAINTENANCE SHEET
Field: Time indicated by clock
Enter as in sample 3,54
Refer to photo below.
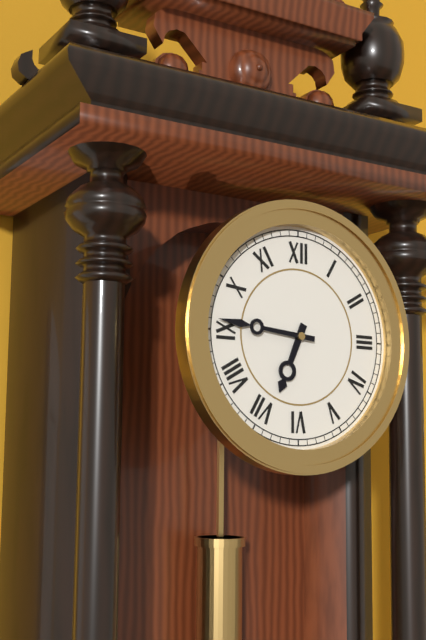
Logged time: 6,46
